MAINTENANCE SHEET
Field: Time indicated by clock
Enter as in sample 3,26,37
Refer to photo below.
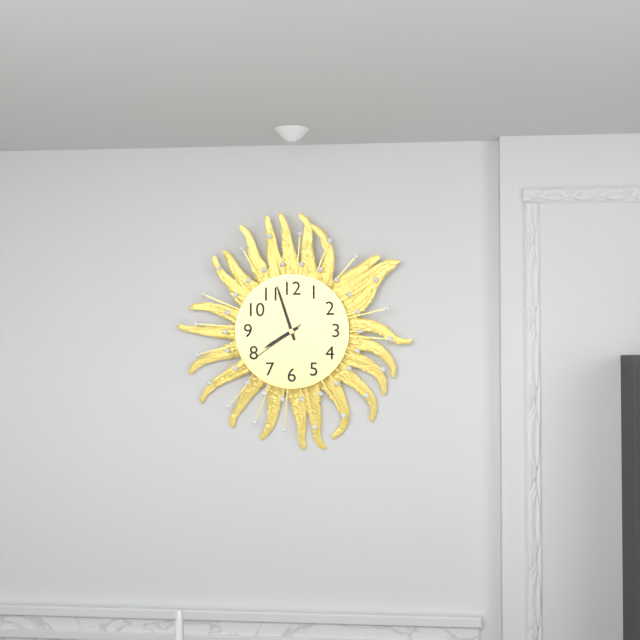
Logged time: 7,57,39
